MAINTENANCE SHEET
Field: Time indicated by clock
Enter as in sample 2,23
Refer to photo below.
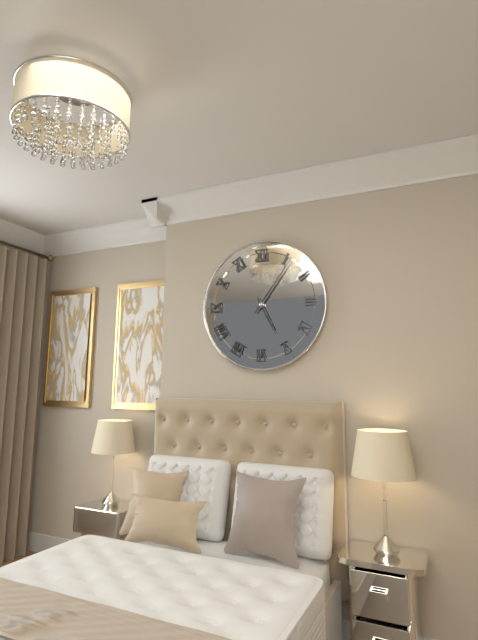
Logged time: 5,06
